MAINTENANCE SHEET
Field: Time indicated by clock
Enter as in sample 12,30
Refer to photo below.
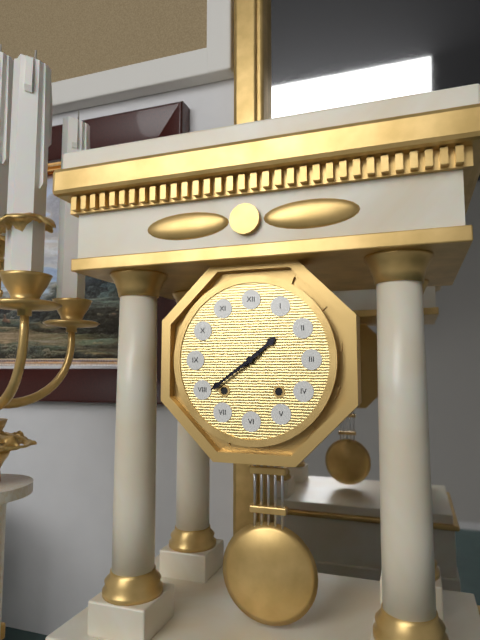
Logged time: 1,39
